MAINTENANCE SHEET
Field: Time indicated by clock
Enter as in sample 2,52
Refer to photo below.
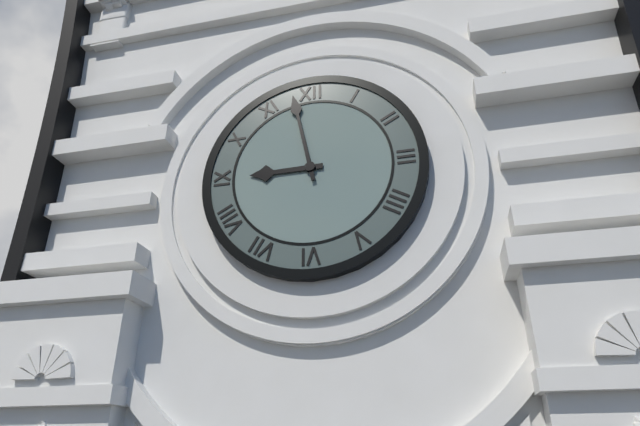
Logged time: 8,58
